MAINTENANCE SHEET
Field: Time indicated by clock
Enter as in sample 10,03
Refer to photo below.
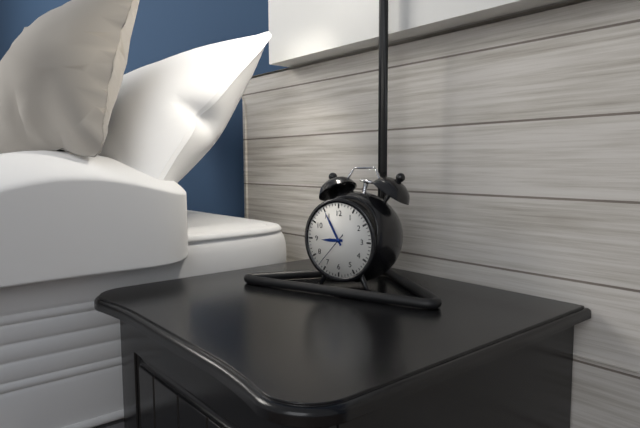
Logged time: 8,55
